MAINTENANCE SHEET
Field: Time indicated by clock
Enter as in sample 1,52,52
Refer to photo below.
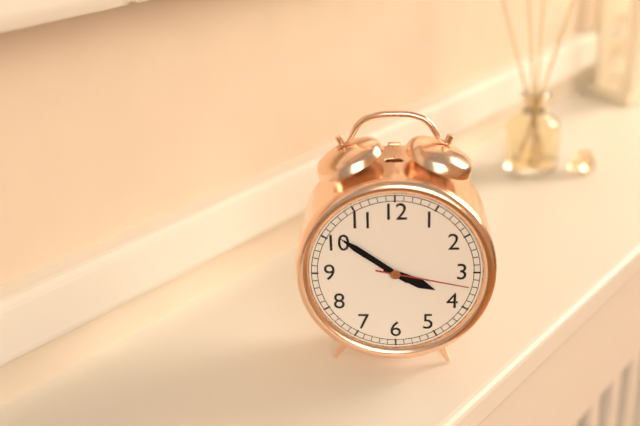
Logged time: 3,51,17
